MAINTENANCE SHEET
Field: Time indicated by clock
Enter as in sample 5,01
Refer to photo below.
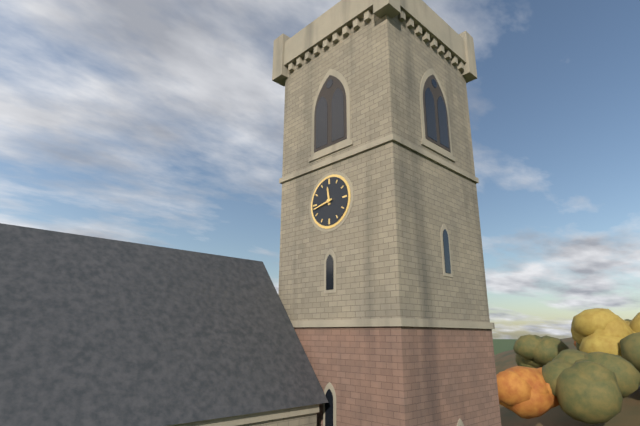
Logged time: 11,43
